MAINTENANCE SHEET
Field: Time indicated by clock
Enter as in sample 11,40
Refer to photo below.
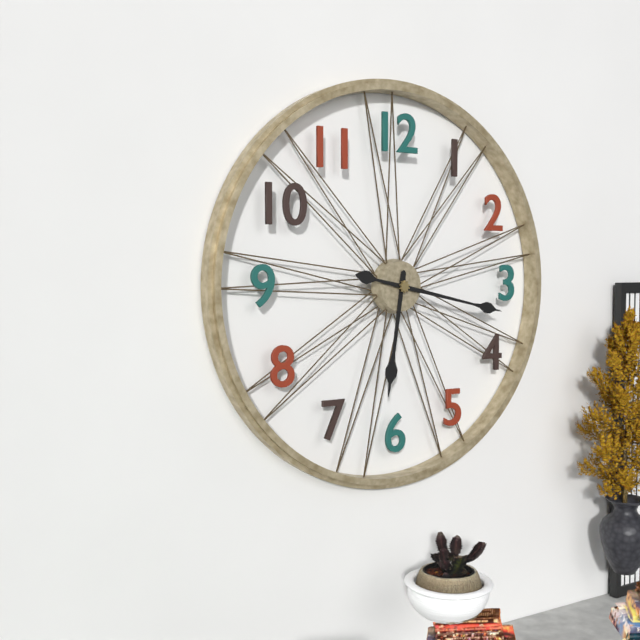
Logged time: 6,17
